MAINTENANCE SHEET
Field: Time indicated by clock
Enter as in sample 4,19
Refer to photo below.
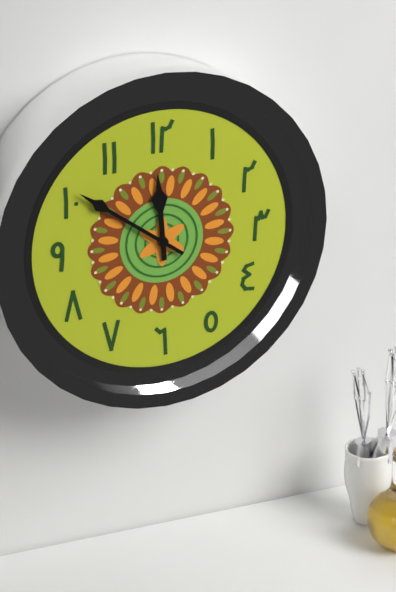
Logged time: 11,51
